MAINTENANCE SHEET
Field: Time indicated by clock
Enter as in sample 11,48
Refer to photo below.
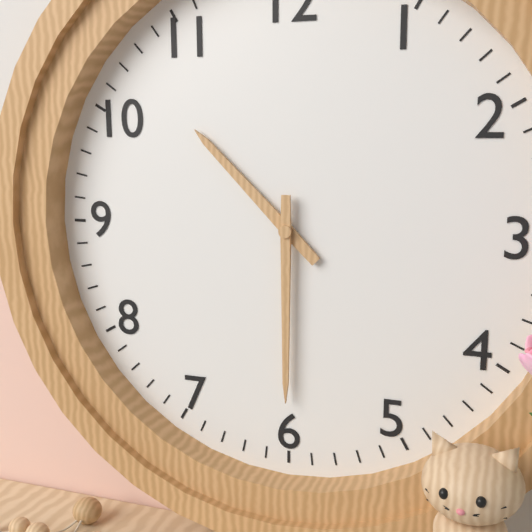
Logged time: 10,30
